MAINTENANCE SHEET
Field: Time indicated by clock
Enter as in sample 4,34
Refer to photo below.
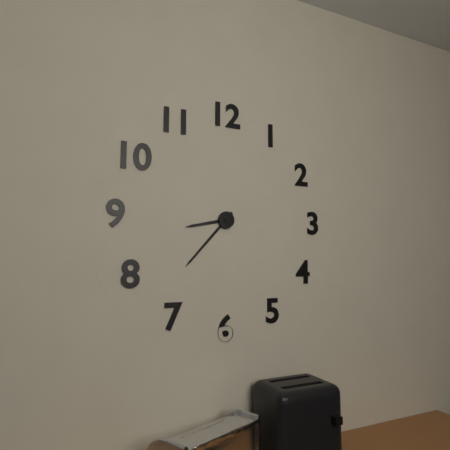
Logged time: 8,37
